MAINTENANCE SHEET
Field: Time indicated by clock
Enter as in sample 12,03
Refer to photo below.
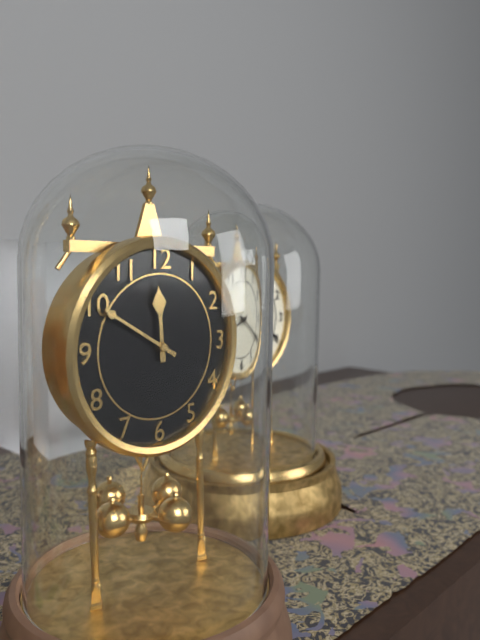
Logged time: 11,50
